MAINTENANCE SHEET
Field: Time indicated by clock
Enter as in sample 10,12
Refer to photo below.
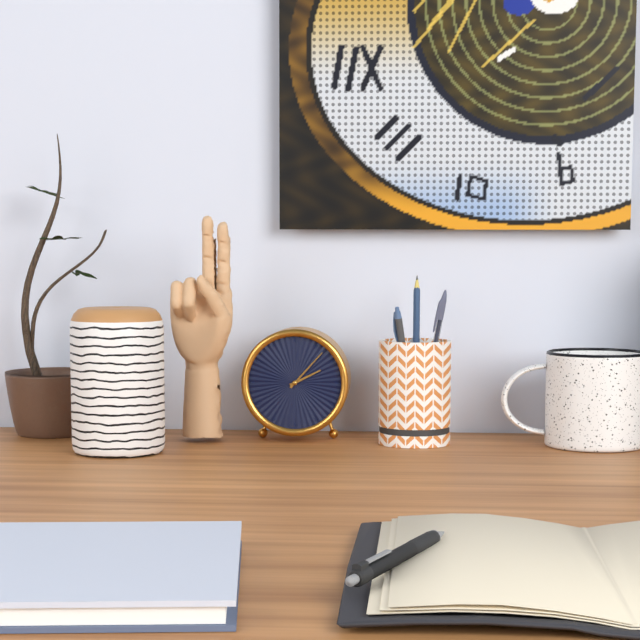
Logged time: 2,07
